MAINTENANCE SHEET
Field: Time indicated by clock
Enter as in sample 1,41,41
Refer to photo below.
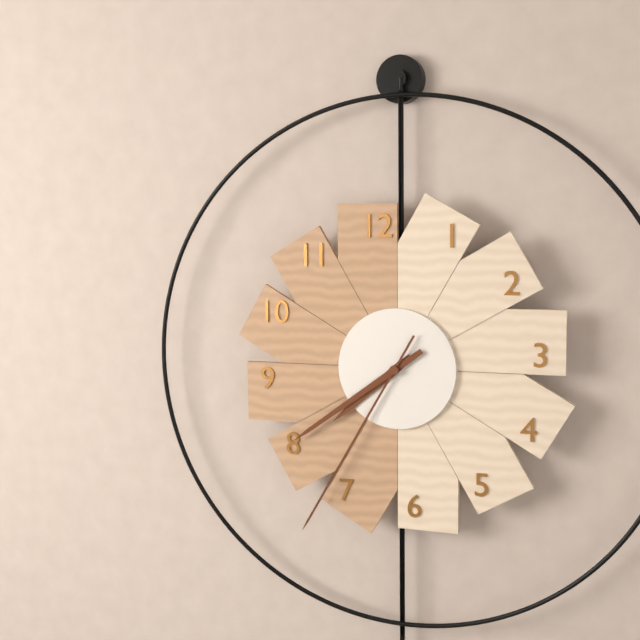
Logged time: 7,39,35
